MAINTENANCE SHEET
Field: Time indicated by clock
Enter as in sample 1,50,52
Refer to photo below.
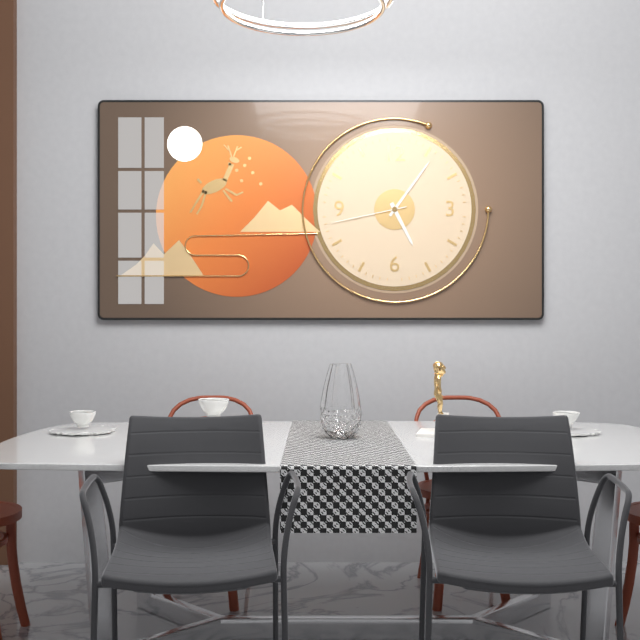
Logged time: 5,06,43
